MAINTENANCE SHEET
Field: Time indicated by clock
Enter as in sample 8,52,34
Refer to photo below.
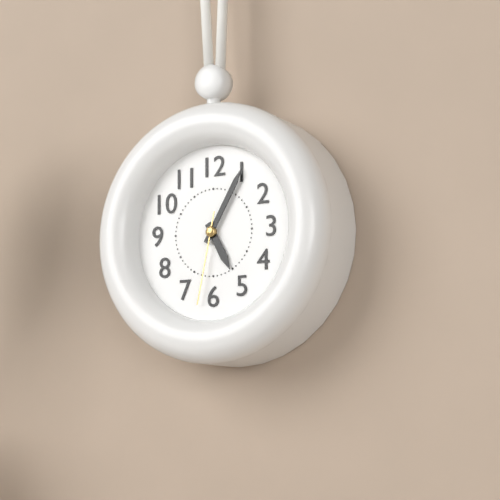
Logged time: 5,05,32
